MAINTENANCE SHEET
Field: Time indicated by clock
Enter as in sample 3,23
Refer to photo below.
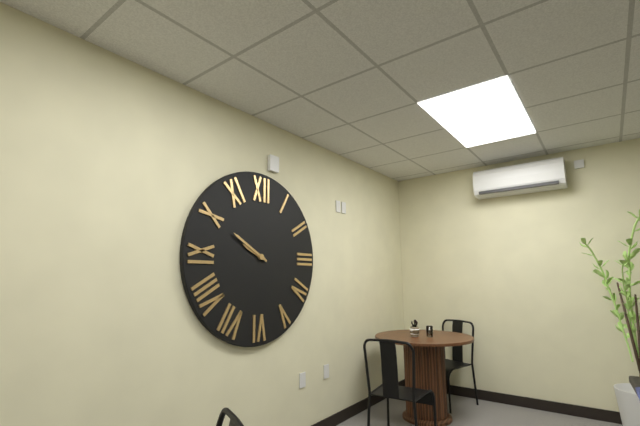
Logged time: 9,50
